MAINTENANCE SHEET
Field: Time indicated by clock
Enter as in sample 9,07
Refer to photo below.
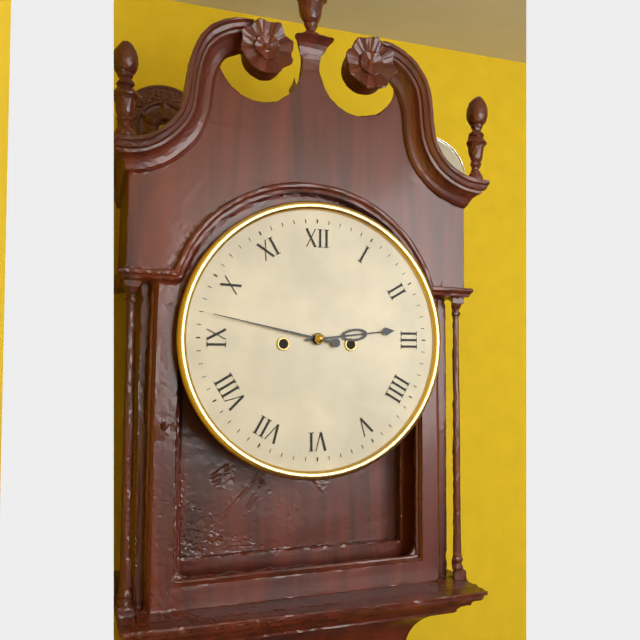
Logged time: 2,47
